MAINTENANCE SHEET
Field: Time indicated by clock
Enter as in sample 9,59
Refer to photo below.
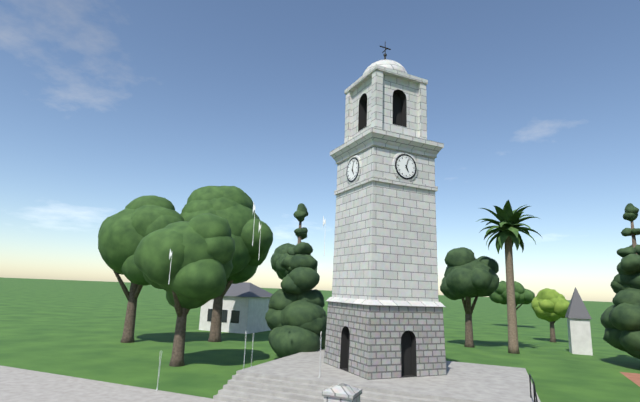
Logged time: 5,03
